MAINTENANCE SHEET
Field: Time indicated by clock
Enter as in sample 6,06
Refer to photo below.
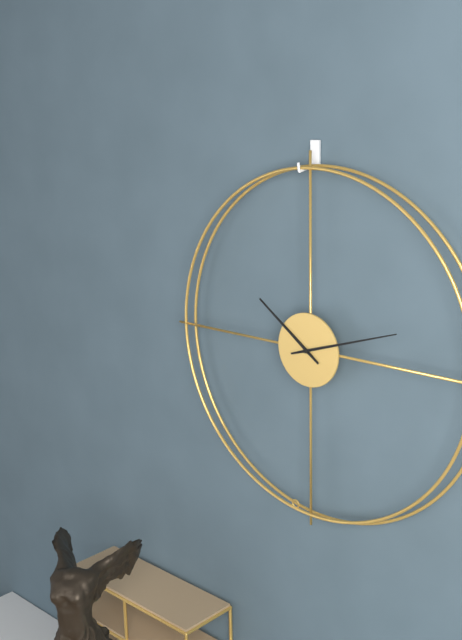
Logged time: 10,12
